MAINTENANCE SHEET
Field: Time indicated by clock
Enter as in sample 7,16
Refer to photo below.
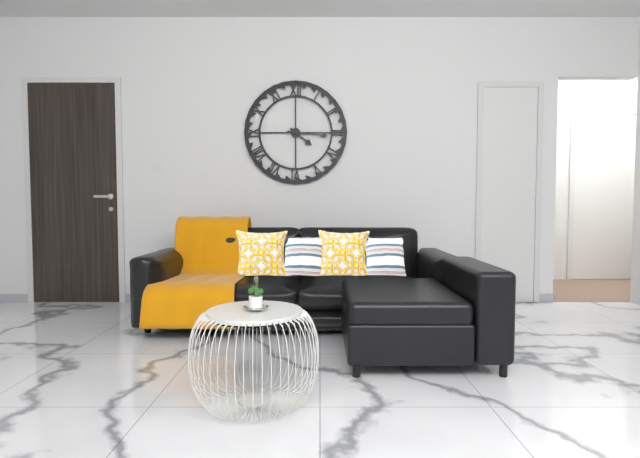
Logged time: 4,16
